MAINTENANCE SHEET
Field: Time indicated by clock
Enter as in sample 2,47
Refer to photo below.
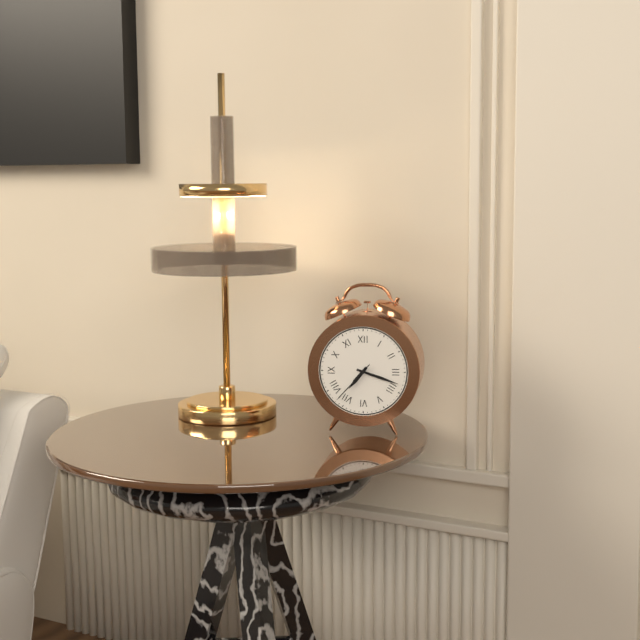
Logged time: 7,18
